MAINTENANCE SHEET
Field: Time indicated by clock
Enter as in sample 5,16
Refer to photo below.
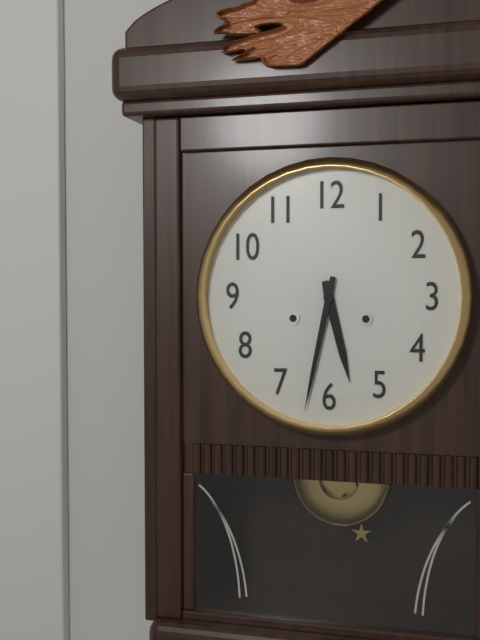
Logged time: 5,32
